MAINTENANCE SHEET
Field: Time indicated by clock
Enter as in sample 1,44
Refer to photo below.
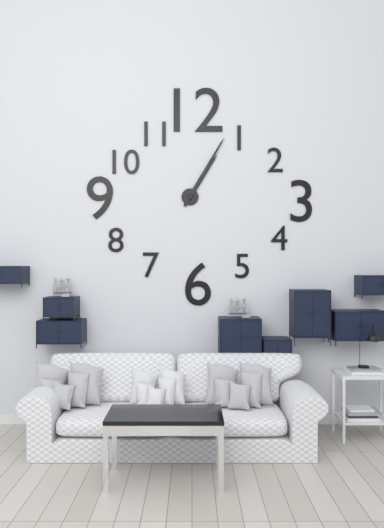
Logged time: 1,05
